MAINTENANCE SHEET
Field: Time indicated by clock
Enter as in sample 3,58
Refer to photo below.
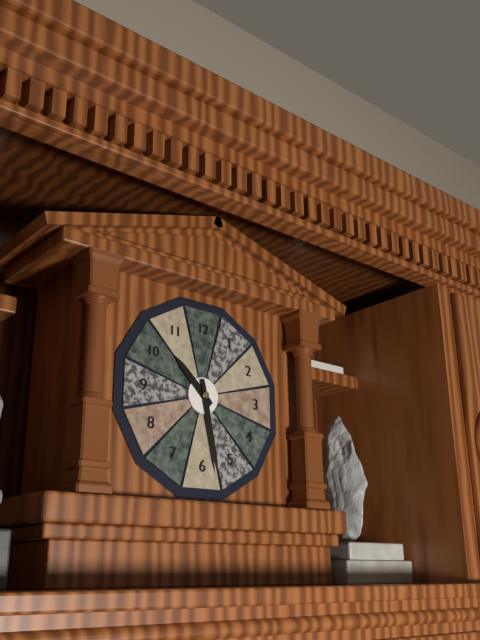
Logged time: 10,28
